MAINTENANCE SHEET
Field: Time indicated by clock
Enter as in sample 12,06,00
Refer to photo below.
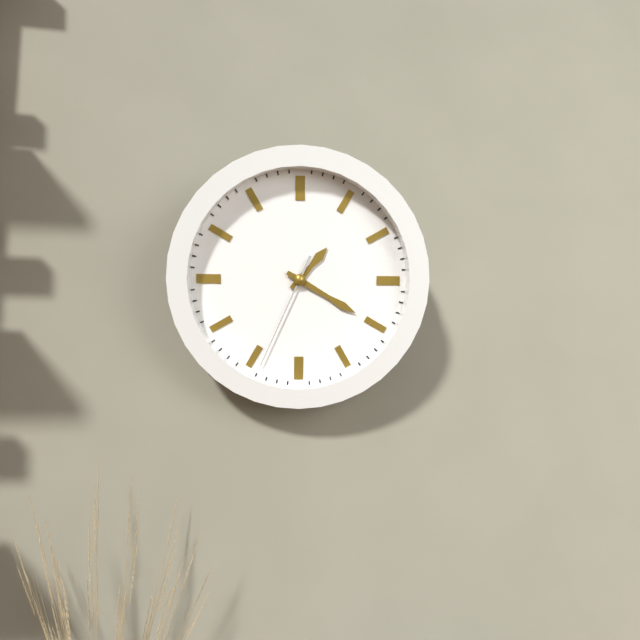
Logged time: 1,20,34
